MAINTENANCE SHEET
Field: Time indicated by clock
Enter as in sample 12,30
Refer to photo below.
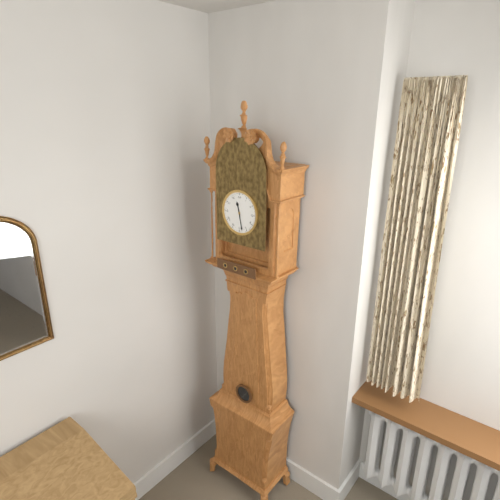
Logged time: 11,28
